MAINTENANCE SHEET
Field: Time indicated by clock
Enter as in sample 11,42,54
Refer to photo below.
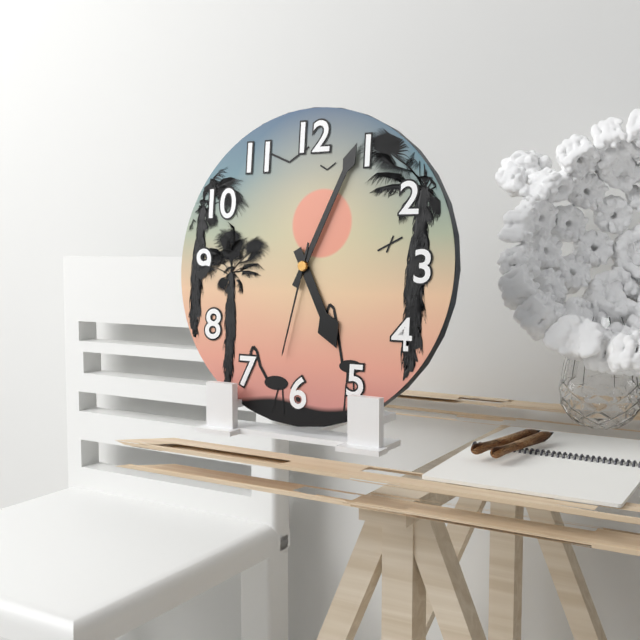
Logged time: 5,04,32
